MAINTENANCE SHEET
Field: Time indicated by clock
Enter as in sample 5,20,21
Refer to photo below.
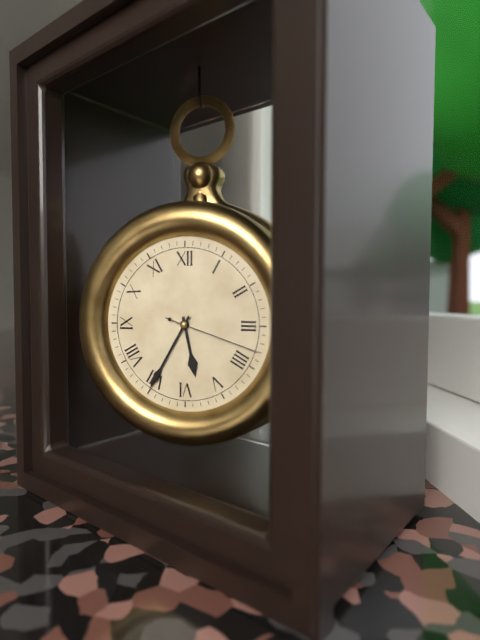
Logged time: 5,35,18
